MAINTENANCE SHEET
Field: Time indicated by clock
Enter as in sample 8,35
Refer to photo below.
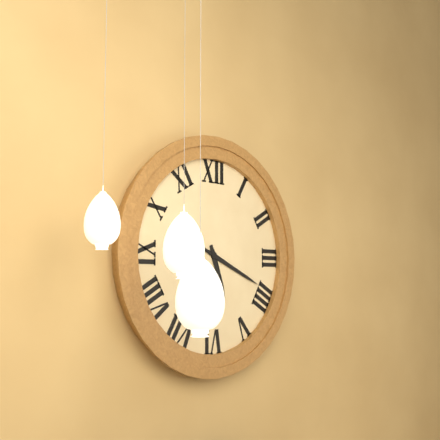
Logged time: 5,19
